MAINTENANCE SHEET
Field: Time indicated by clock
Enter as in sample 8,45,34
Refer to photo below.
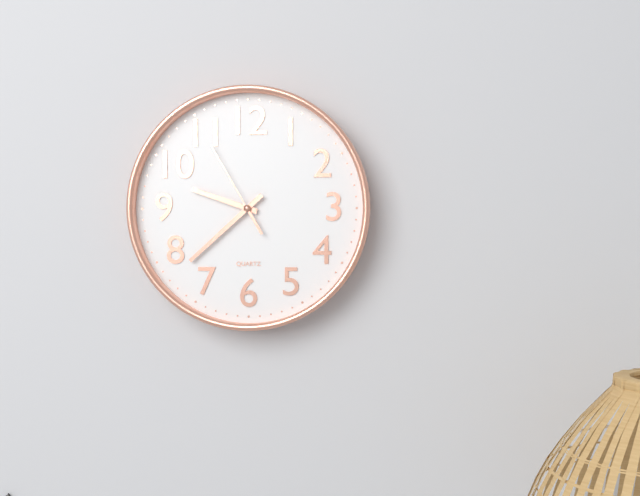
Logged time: 9,38,55
